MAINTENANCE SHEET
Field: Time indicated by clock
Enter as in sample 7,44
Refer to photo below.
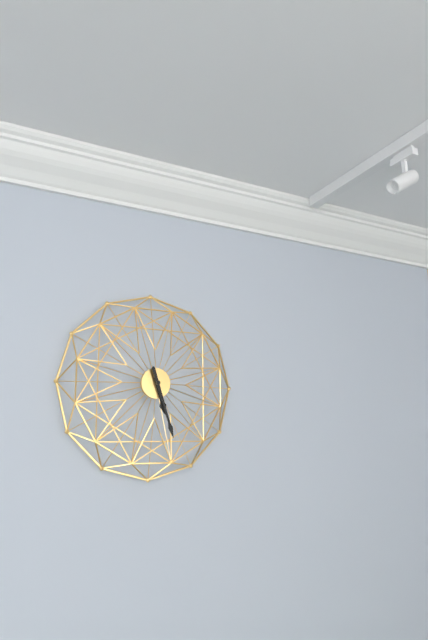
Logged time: 5,27
